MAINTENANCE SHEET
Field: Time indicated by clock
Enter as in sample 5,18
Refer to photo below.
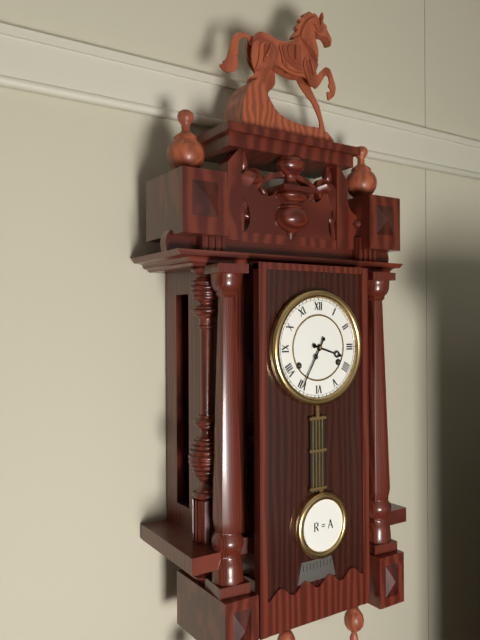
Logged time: 3,35
